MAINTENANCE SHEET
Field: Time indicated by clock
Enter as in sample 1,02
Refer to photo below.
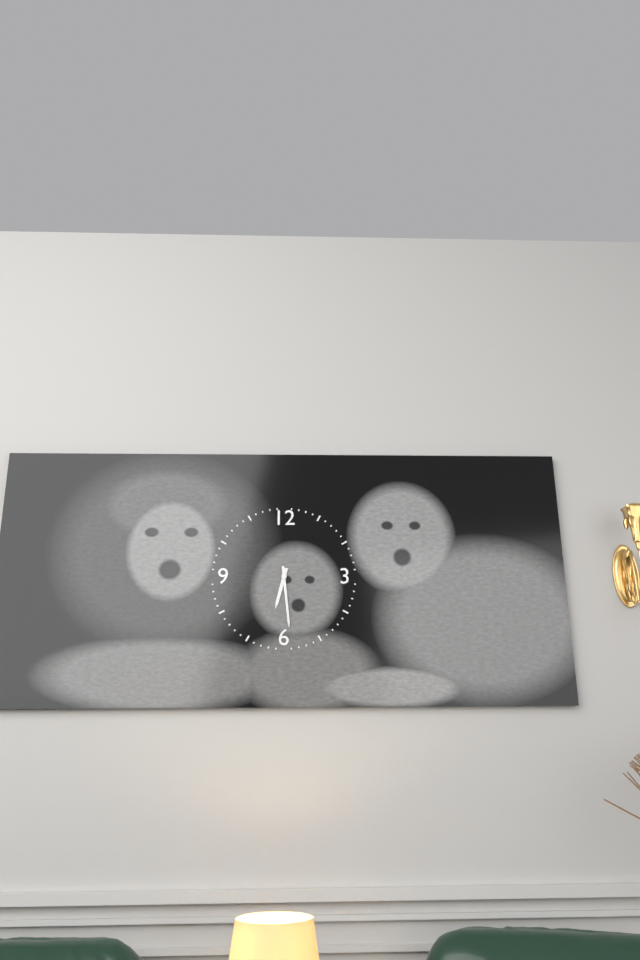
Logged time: 6,29
